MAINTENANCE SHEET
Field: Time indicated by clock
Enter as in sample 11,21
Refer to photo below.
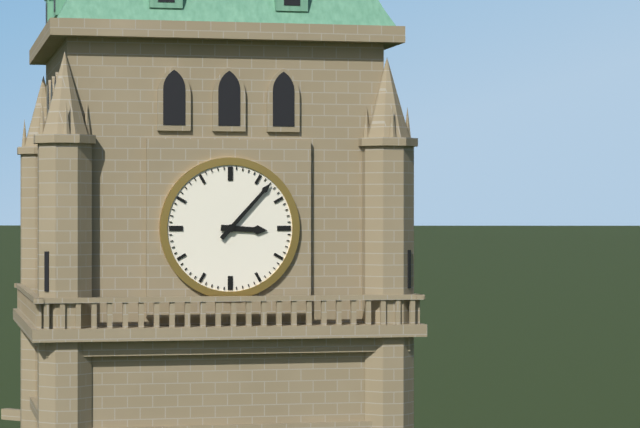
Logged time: 3,07
